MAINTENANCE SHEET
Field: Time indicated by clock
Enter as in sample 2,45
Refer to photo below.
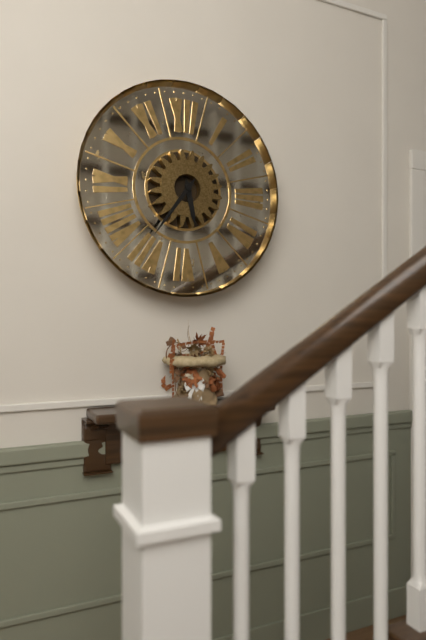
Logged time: 5,36
